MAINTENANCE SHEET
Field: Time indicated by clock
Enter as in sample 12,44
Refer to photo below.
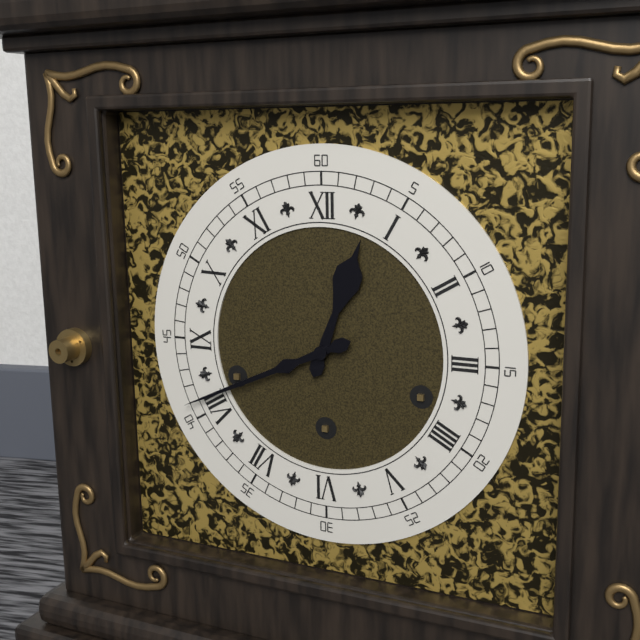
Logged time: 12,41
